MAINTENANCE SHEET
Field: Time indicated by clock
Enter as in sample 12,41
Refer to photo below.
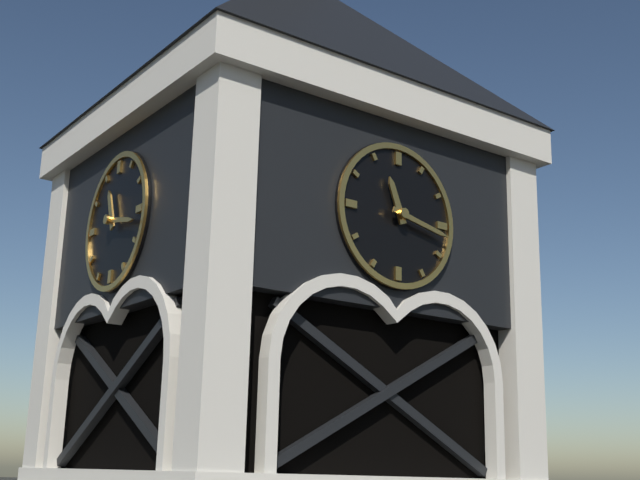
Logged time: 11,17
